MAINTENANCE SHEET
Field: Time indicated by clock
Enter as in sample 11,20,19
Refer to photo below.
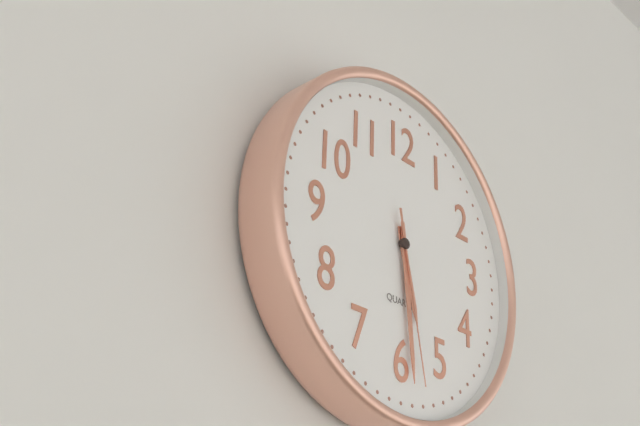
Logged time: 5,29,28
